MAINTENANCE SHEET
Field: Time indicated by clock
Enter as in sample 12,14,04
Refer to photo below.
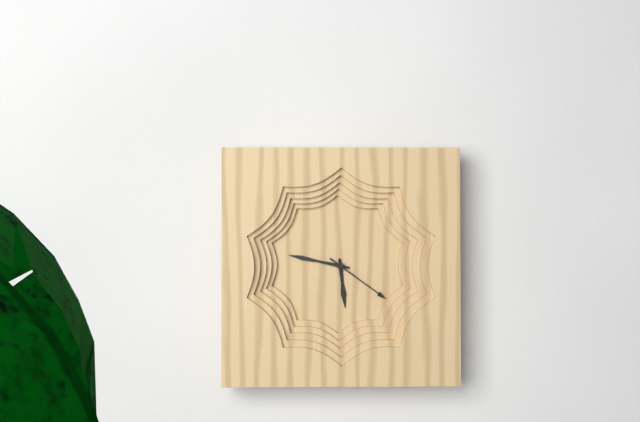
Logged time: 5,47,21
